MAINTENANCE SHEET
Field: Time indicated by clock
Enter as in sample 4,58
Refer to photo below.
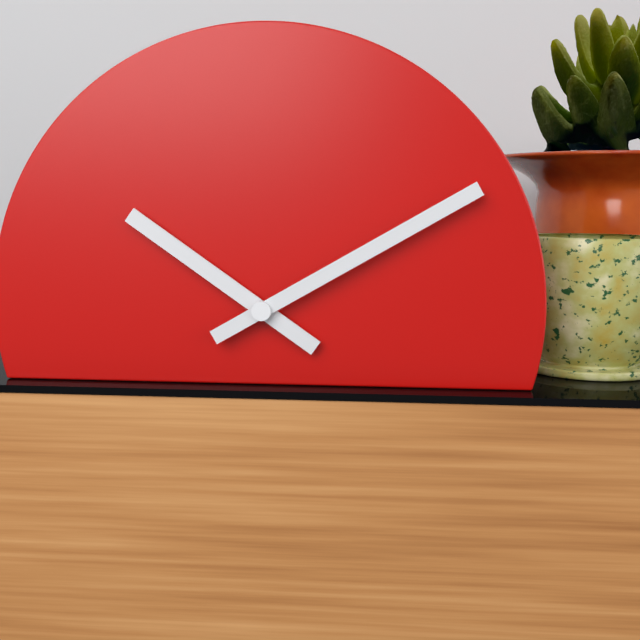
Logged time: 10,10
